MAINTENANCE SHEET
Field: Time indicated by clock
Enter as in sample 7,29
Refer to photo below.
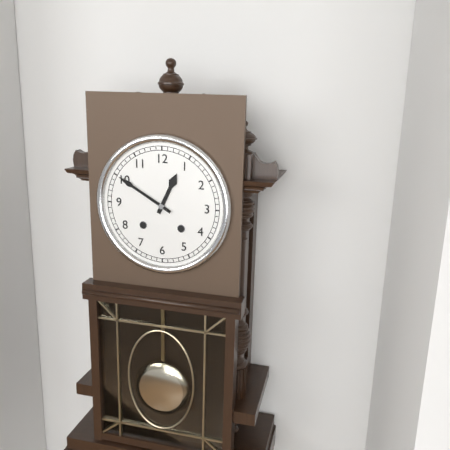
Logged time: 12,50
